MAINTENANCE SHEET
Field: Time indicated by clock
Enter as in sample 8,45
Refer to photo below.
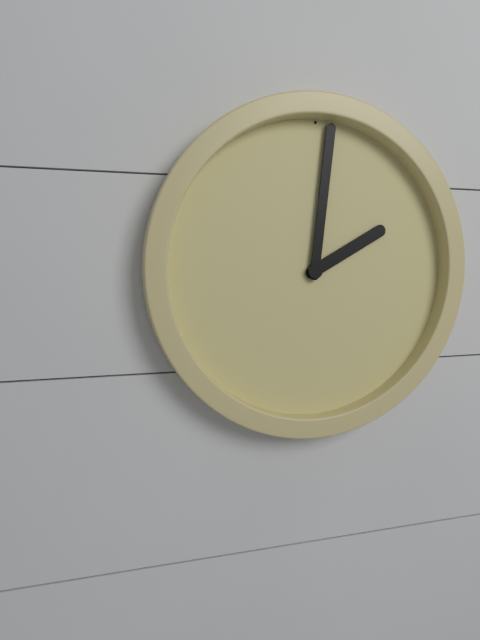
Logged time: 2,01
